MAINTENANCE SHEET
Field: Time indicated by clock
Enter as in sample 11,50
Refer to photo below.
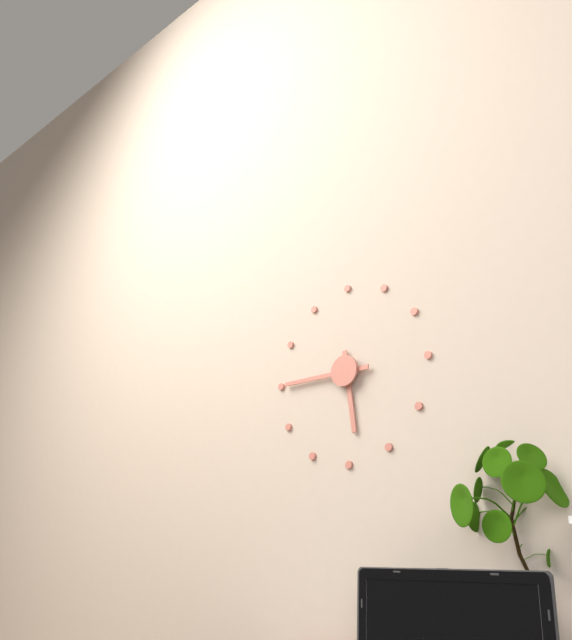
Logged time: 5,45
